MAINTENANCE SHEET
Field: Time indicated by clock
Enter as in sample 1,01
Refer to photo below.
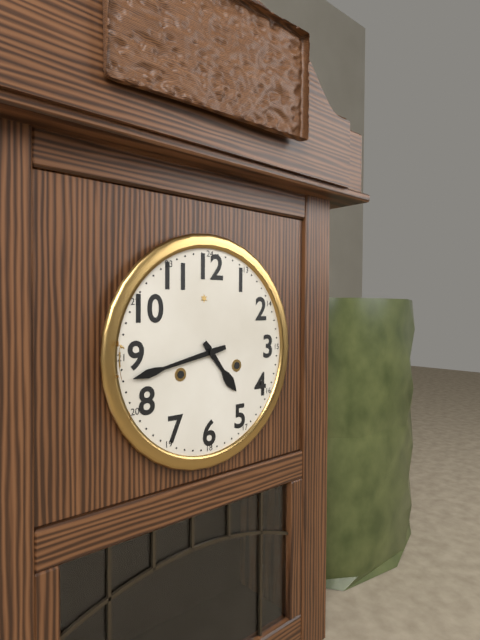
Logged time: 4,43
